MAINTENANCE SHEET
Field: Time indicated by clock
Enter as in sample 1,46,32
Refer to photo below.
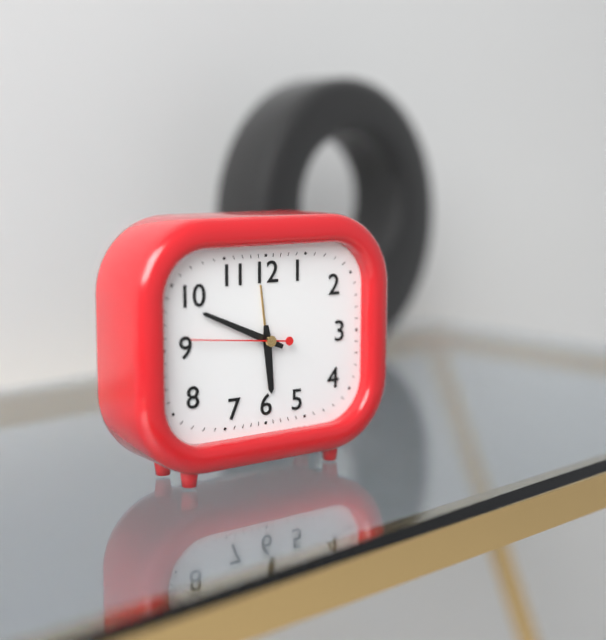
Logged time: 5,49,46
